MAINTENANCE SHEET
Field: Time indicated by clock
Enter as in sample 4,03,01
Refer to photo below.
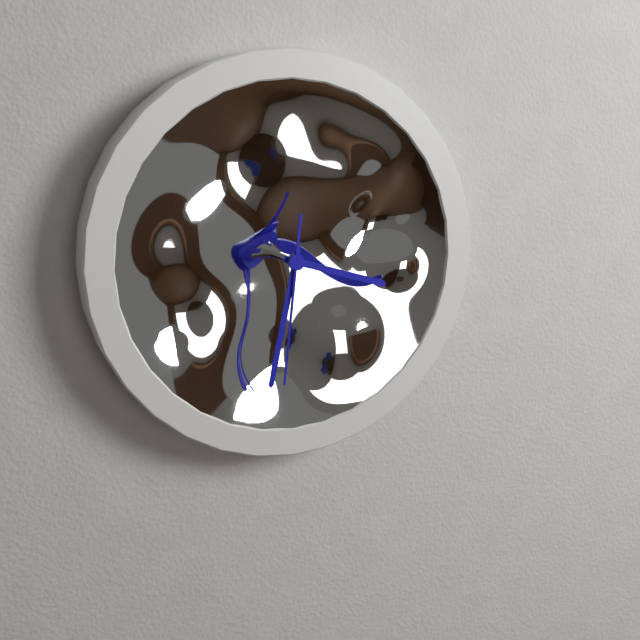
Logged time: 3,32,31
